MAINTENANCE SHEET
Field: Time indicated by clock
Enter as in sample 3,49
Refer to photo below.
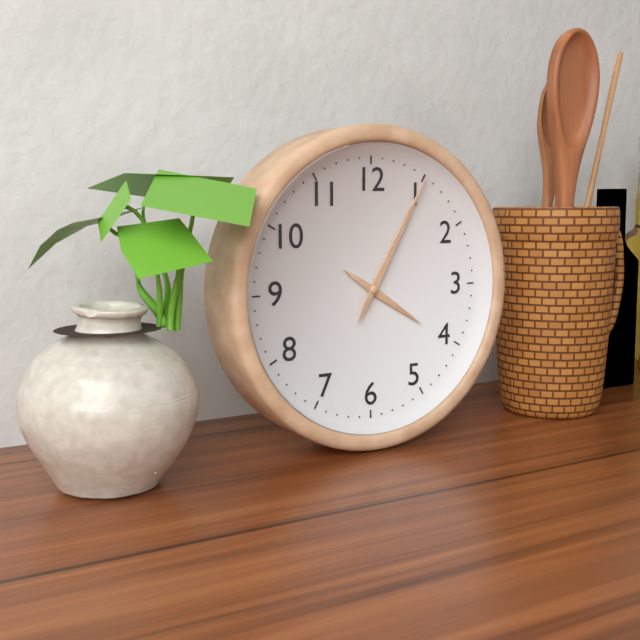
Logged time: 4,05
